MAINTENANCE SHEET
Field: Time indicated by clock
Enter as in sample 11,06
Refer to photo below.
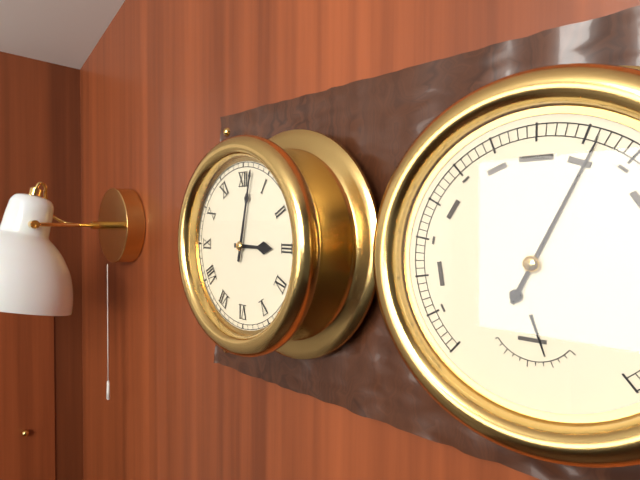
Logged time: 3,02
